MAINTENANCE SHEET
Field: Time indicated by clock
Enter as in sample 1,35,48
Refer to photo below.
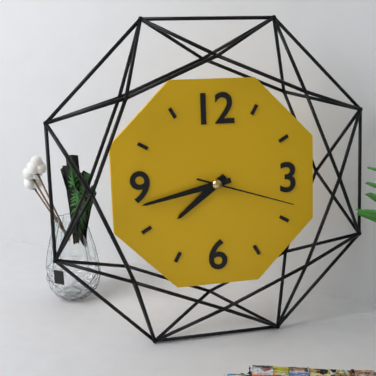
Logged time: 7,43,18
